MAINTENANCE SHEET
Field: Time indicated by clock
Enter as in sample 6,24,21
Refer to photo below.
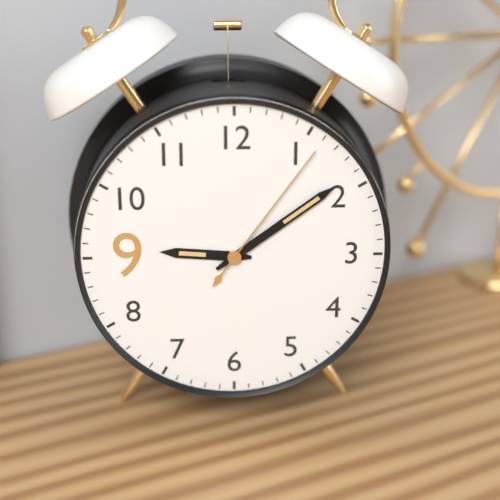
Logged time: 9,09,06
